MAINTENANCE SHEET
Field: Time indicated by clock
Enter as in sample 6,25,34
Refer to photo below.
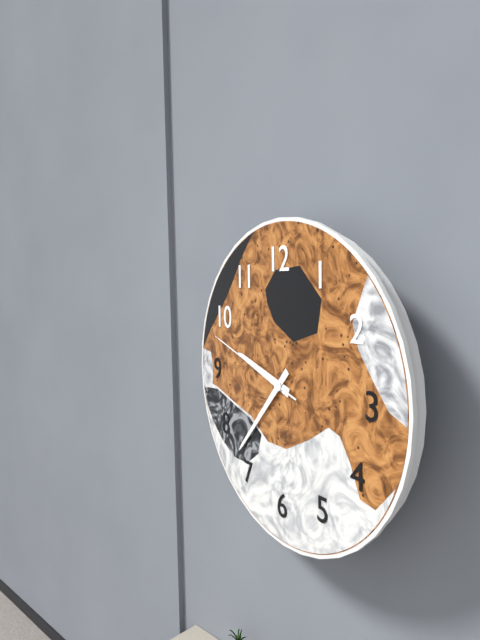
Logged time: 9,37,48
